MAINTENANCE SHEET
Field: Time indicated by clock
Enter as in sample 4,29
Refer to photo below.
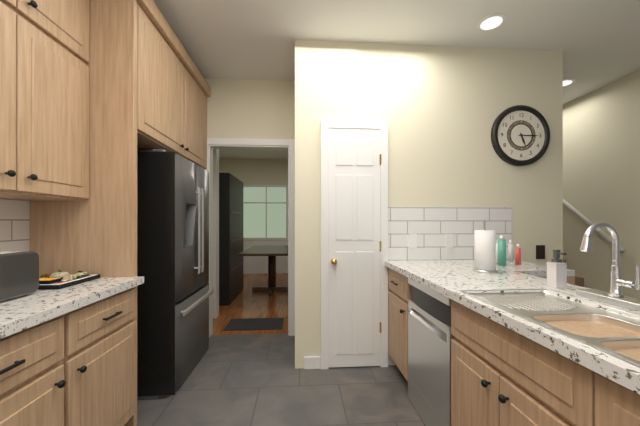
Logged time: 5,15
